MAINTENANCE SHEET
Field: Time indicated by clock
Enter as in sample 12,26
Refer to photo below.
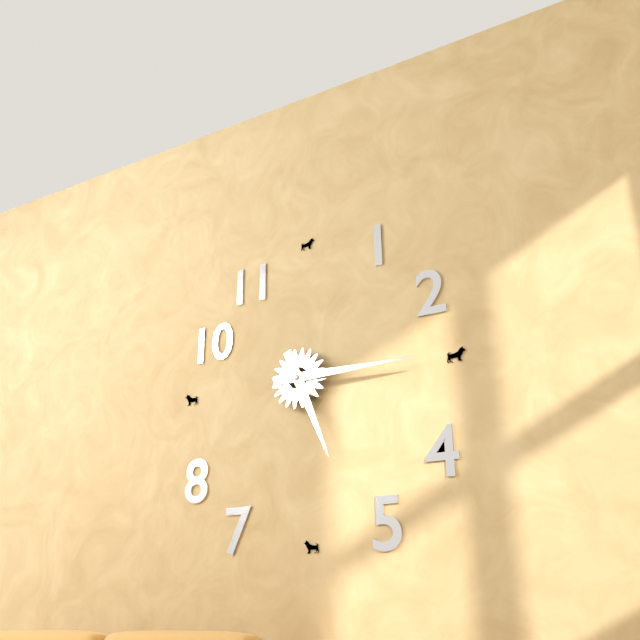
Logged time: 5,15
